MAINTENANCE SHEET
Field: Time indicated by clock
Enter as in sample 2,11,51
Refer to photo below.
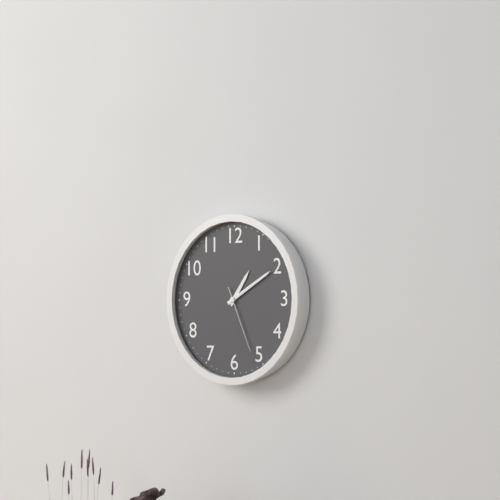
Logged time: 1,10,26
